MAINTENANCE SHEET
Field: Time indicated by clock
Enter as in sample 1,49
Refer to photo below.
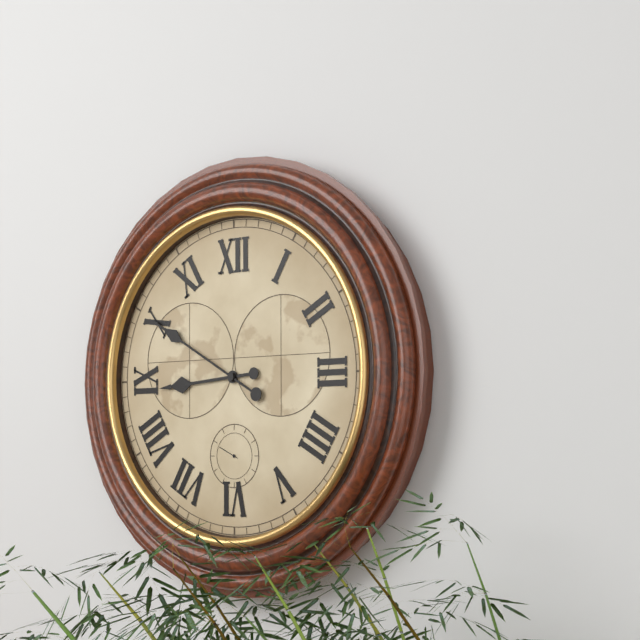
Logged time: 8,50
